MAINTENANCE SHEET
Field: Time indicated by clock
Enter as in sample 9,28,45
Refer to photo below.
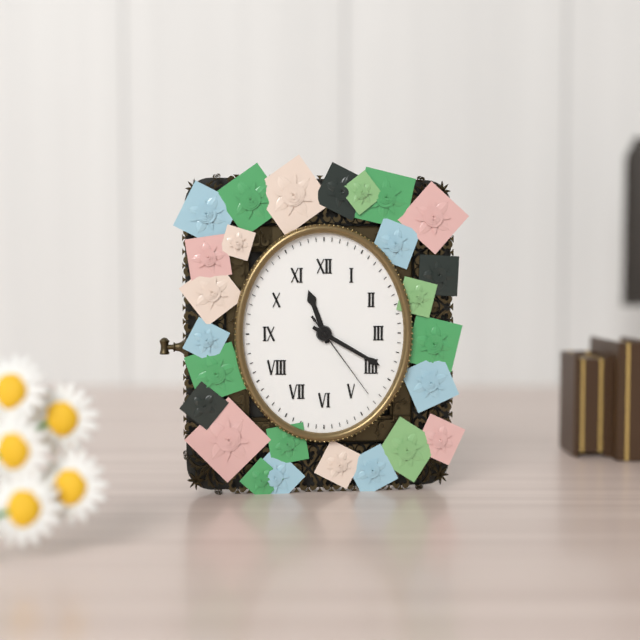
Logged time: 11,20,24
